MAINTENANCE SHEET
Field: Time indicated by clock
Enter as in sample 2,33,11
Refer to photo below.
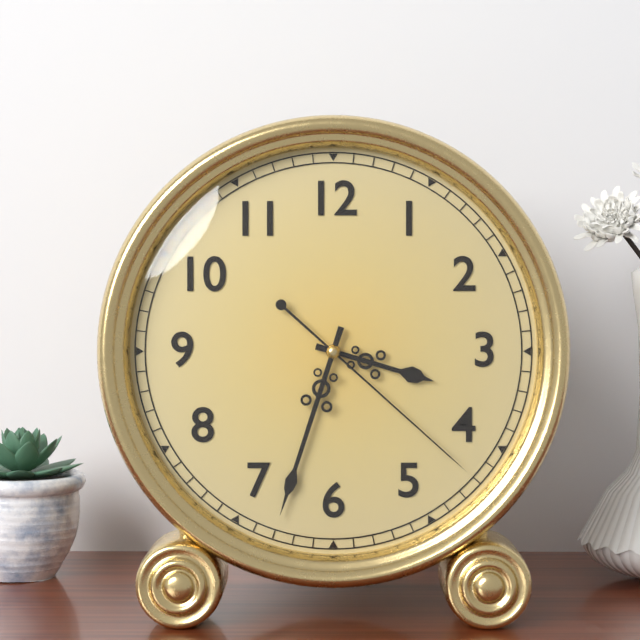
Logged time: 3,33,22
